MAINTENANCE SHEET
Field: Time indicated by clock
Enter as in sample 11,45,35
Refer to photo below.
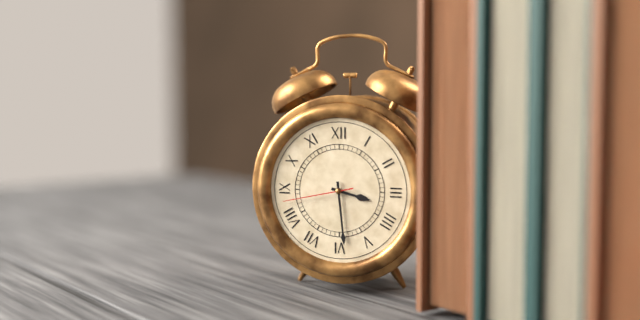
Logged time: 3,29,43
